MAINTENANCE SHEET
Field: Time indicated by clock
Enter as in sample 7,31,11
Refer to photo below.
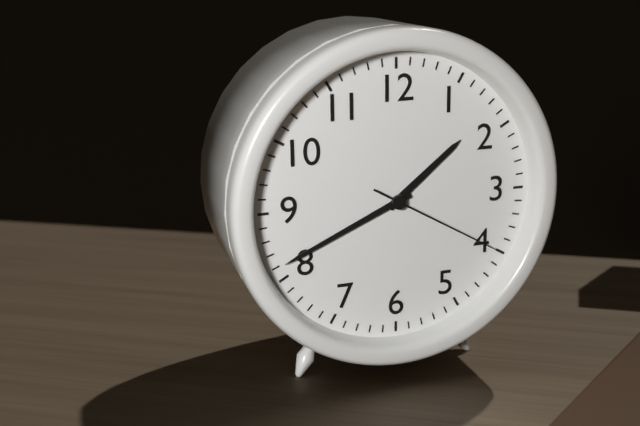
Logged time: 1,41,20
